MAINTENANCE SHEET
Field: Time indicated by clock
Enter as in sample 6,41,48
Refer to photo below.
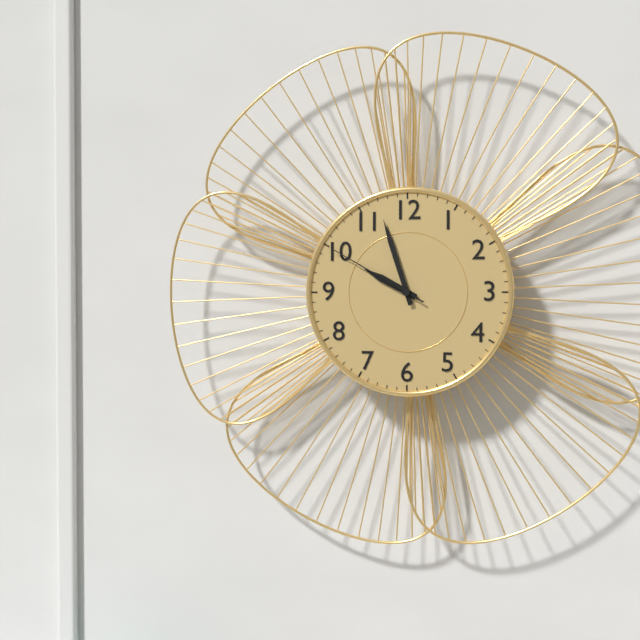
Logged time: 9,57,50
